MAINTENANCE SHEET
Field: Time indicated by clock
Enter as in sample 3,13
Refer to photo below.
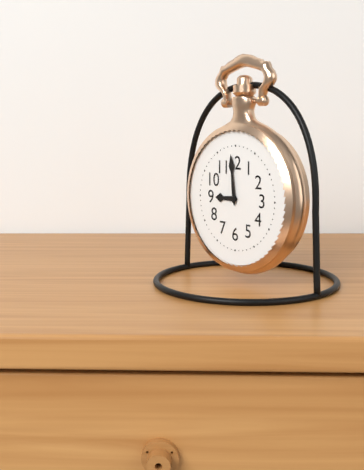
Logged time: 8,59
